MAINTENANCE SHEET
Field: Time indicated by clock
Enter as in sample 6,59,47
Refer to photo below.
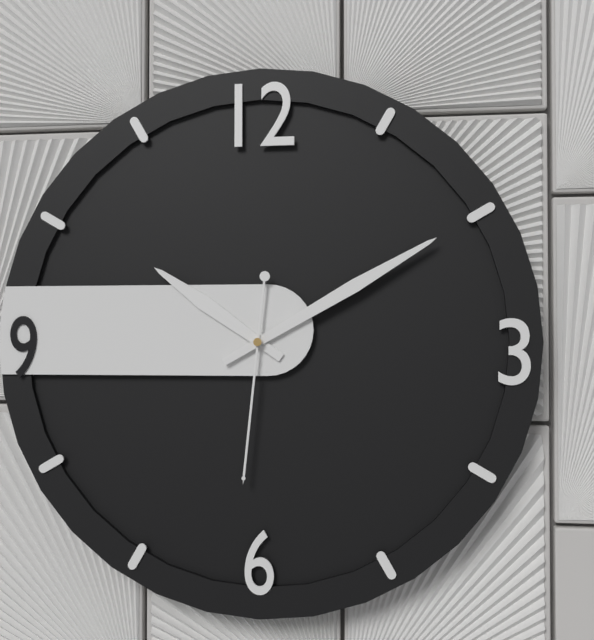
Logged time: 10,10,31
